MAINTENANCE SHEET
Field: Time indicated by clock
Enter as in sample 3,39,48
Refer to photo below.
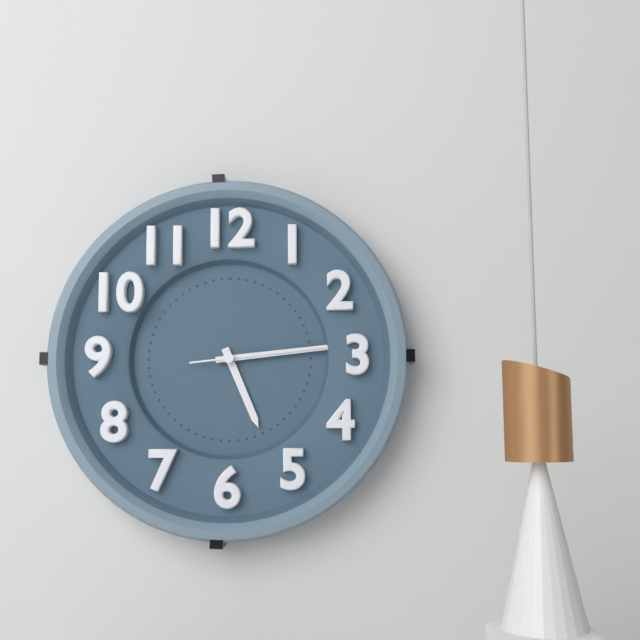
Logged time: 5,14,14
